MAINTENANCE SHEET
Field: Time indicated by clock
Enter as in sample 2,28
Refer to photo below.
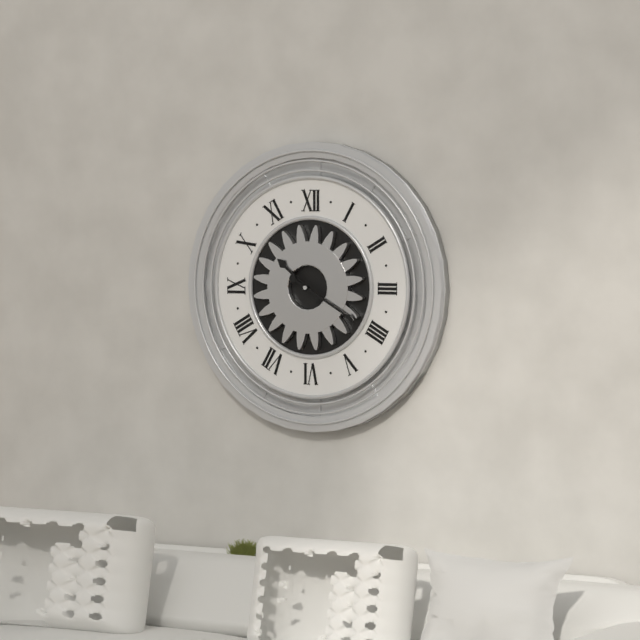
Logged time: 10,20
